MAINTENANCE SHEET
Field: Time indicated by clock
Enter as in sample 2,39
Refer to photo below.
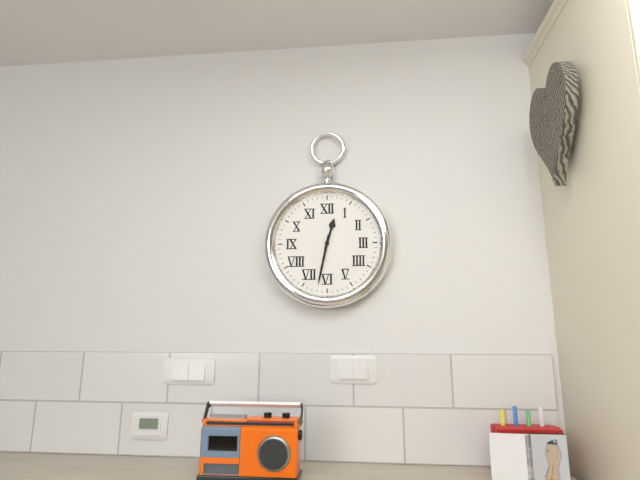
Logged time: 12,32
